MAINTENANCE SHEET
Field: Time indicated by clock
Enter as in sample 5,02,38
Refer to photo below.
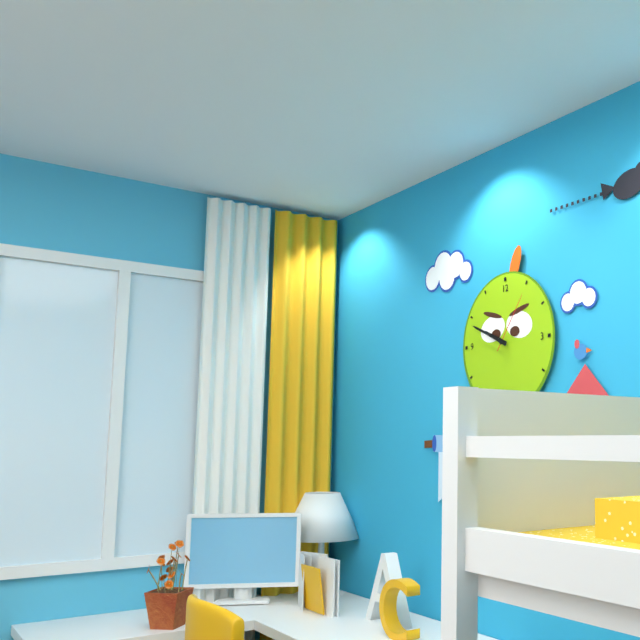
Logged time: 9,49,06
